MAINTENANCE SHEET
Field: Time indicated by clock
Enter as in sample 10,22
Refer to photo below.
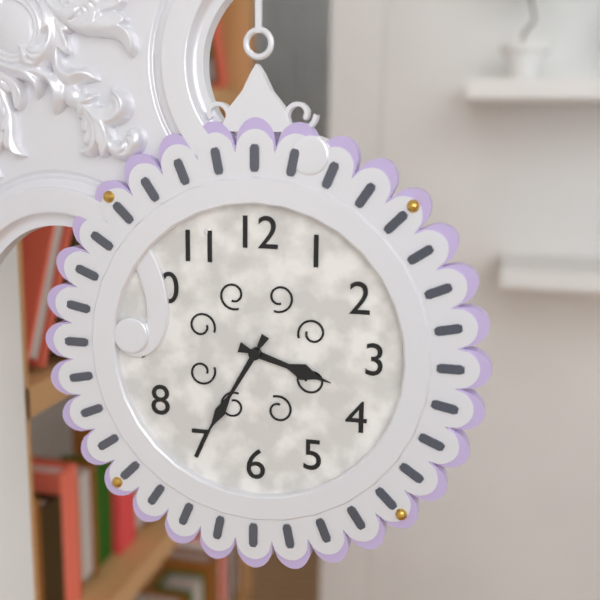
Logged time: 3,35
